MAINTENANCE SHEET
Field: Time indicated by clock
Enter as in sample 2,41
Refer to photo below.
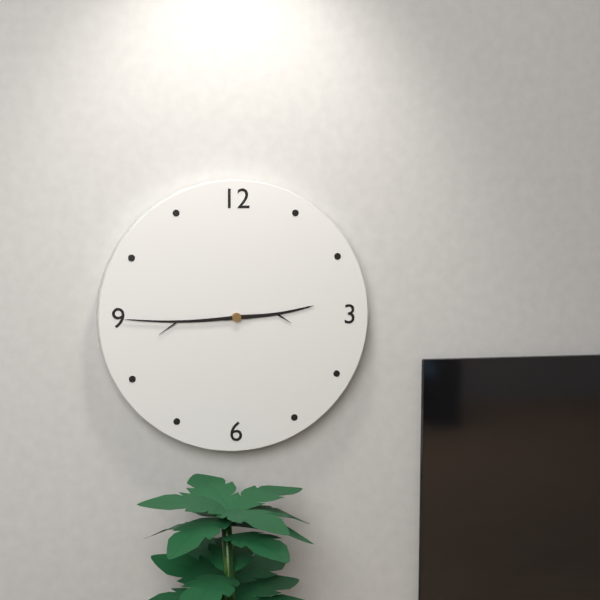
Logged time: 2,45
